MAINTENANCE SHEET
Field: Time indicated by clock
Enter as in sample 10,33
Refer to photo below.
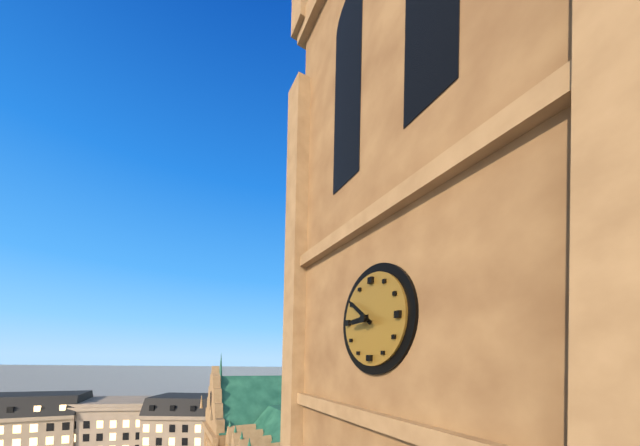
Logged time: 8,51
